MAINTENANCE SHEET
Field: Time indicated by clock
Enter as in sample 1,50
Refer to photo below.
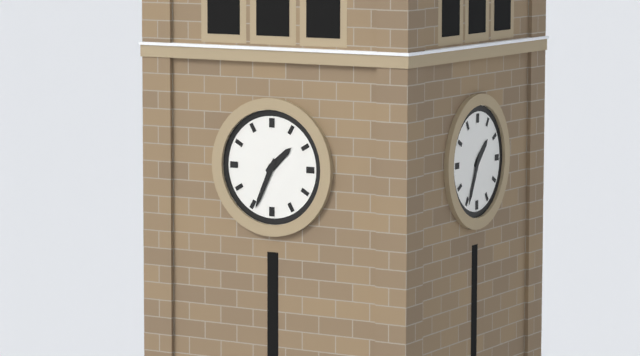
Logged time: 1,34
